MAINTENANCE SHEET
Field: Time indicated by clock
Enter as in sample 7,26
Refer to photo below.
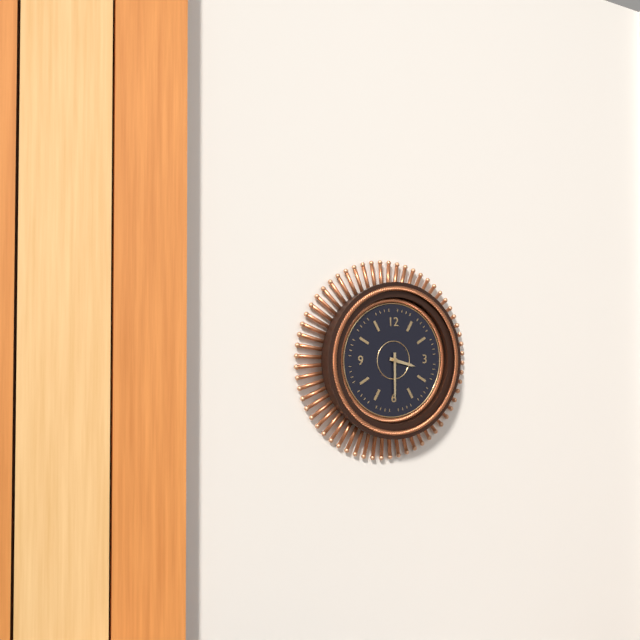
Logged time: 3,30
